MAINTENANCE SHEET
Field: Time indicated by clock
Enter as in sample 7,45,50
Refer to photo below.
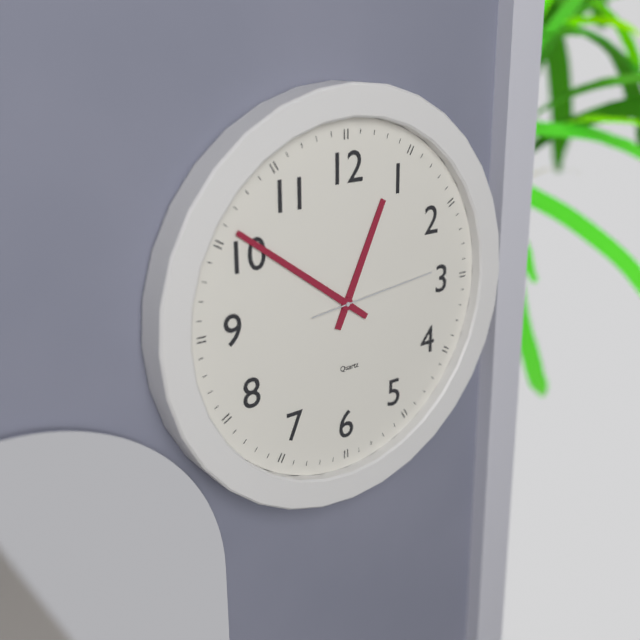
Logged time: 12,51,14
